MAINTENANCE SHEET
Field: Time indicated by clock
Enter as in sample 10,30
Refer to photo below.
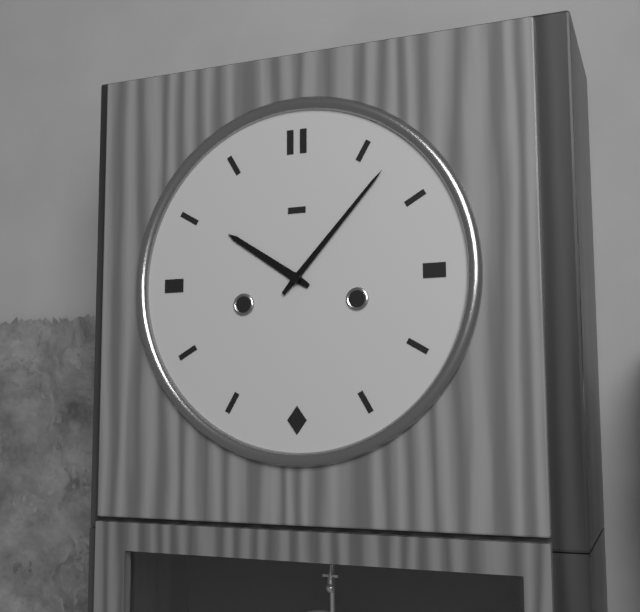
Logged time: 10,07
